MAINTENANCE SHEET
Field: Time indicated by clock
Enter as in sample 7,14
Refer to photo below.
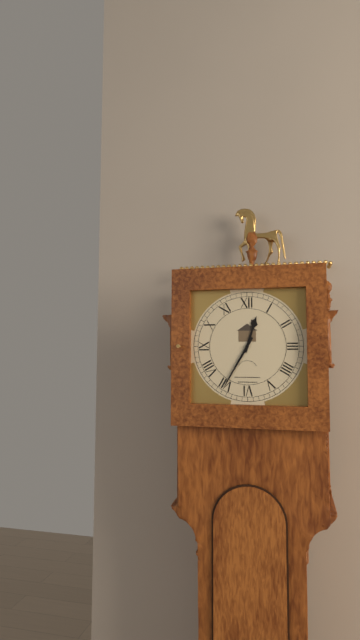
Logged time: 12,35
